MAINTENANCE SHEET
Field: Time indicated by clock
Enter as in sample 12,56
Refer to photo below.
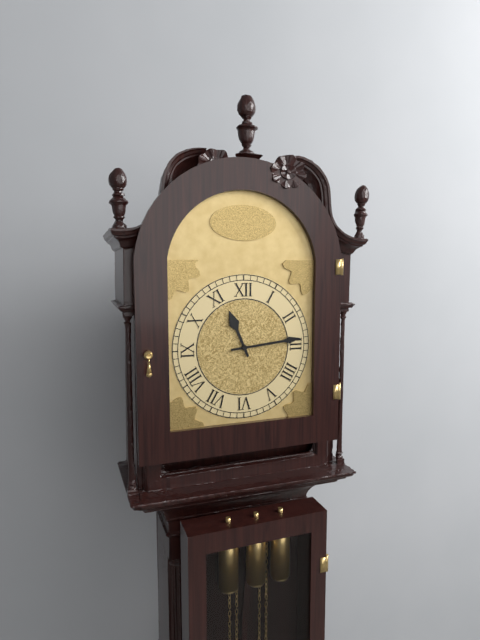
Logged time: 11,14
